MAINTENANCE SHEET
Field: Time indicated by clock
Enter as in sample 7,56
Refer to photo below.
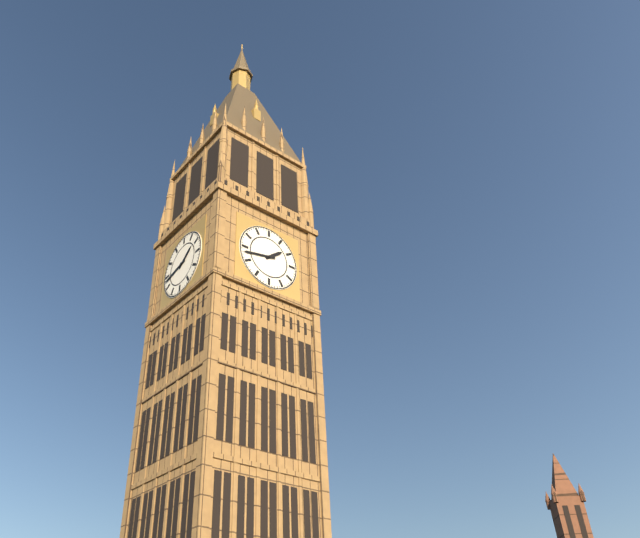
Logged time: 1,43
